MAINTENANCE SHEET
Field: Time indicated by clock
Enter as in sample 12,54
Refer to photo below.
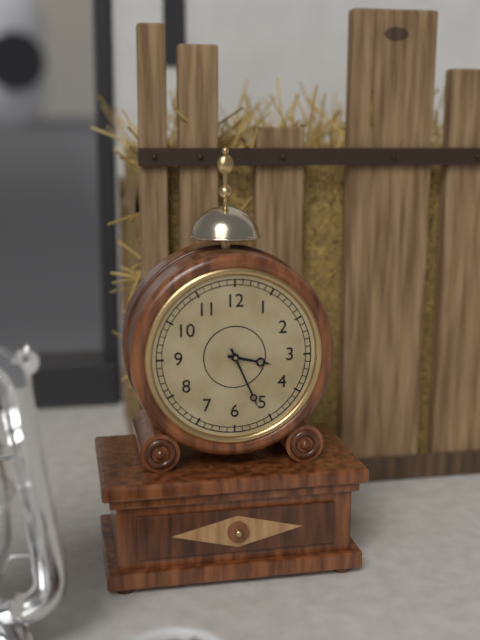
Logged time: 3,26
